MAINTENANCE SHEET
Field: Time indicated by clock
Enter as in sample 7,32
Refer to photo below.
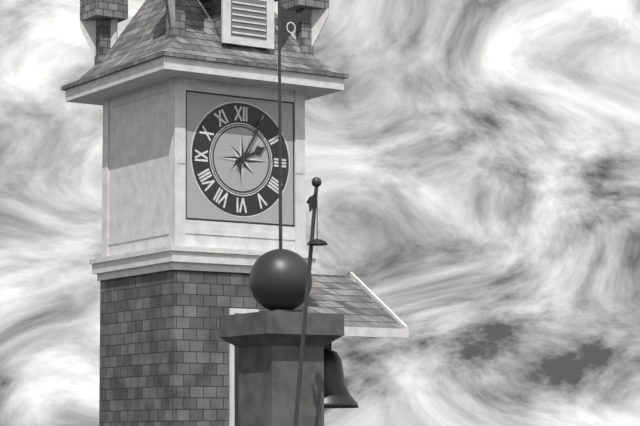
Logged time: 2,05
